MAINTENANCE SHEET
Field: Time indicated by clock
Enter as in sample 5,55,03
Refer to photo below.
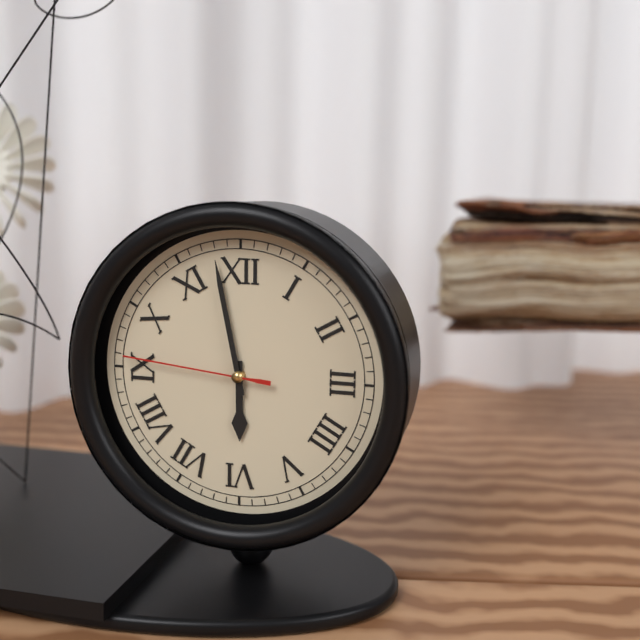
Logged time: 5,58,46
